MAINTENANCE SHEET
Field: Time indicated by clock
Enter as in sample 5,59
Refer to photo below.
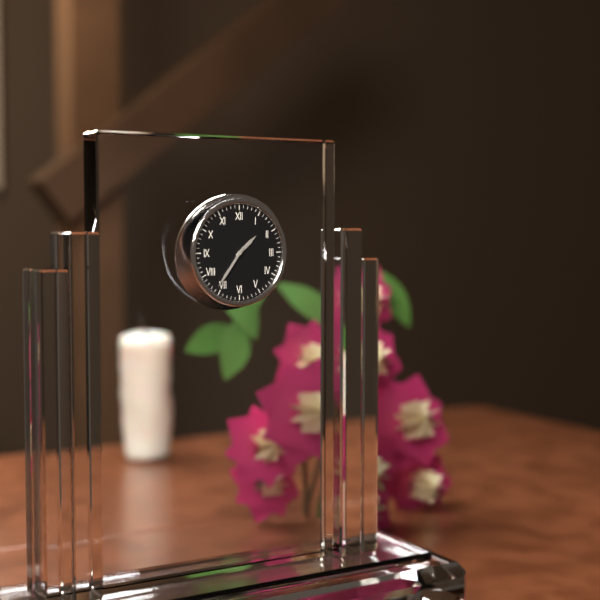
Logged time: 1,36
